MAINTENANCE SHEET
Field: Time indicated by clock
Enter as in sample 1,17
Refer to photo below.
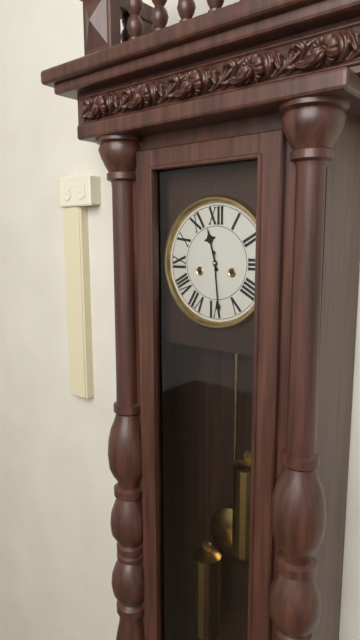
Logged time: 11,29
